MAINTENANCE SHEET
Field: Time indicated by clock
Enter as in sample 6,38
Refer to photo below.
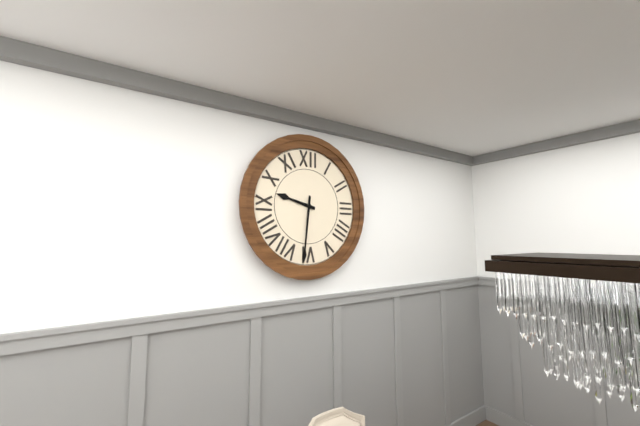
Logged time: 9,31
